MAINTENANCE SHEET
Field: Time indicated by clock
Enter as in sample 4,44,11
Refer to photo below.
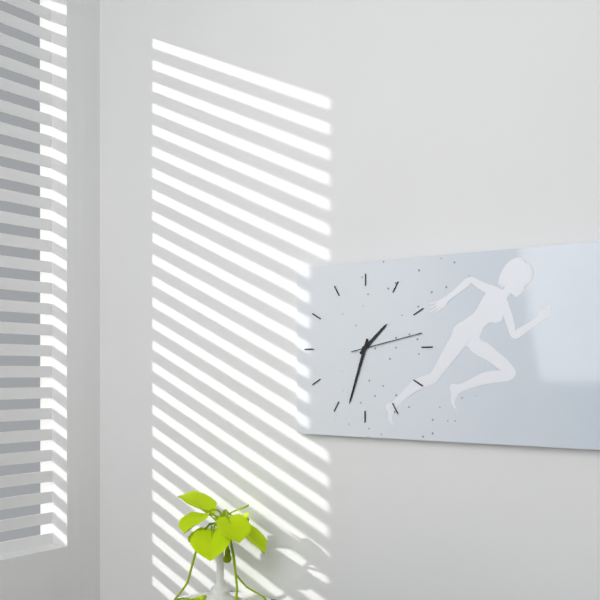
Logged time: 1,33,13
